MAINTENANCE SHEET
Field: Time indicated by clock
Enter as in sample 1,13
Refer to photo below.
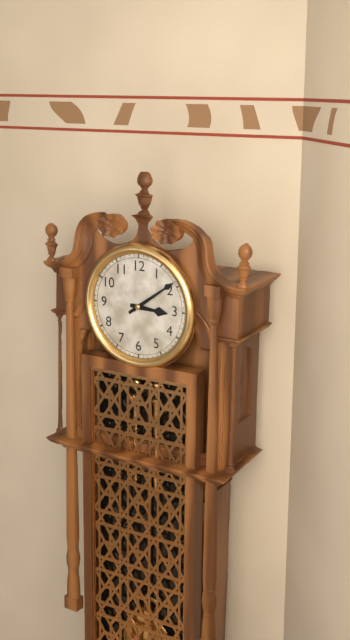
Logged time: 3,09
